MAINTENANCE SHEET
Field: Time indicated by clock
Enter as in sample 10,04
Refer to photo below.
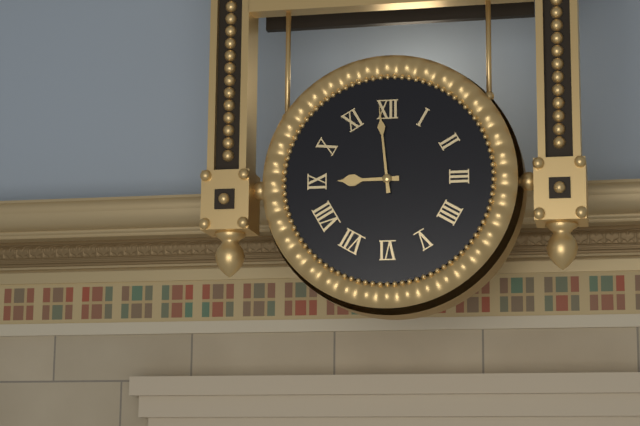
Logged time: 8,59
